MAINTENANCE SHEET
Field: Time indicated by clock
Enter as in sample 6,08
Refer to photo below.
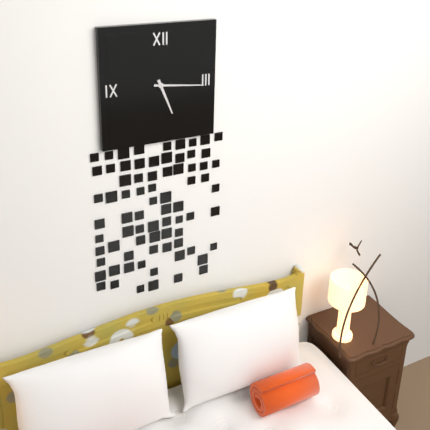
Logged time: 5,16
